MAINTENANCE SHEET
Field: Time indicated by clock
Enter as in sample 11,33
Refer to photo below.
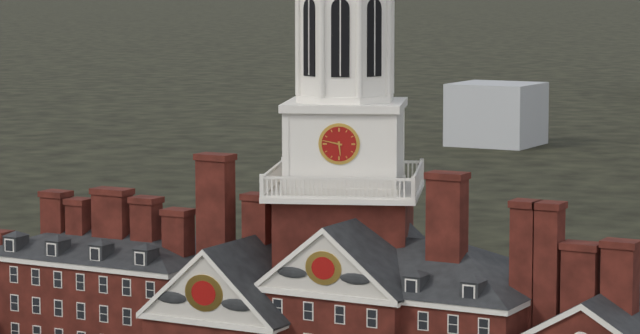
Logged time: 5,47
